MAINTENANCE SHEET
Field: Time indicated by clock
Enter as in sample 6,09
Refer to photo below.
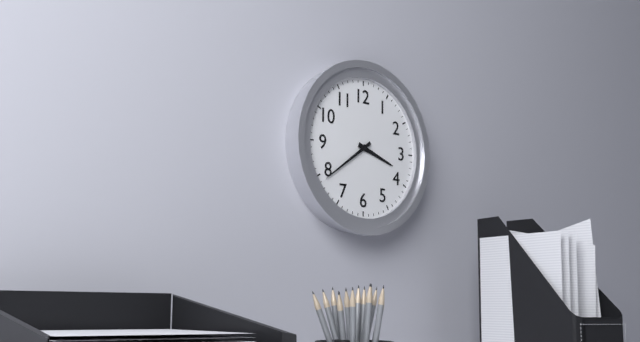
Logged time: 3,39
